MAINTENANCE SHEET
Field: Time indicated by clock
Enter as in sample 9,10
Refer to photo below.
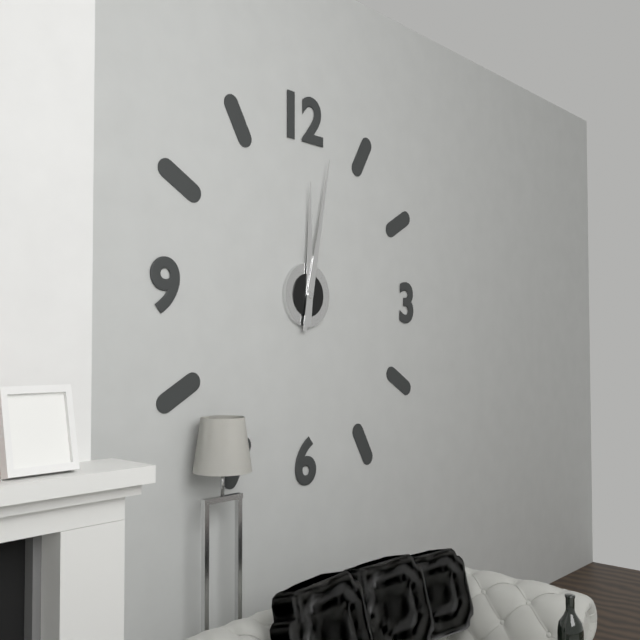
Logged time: 12,02
